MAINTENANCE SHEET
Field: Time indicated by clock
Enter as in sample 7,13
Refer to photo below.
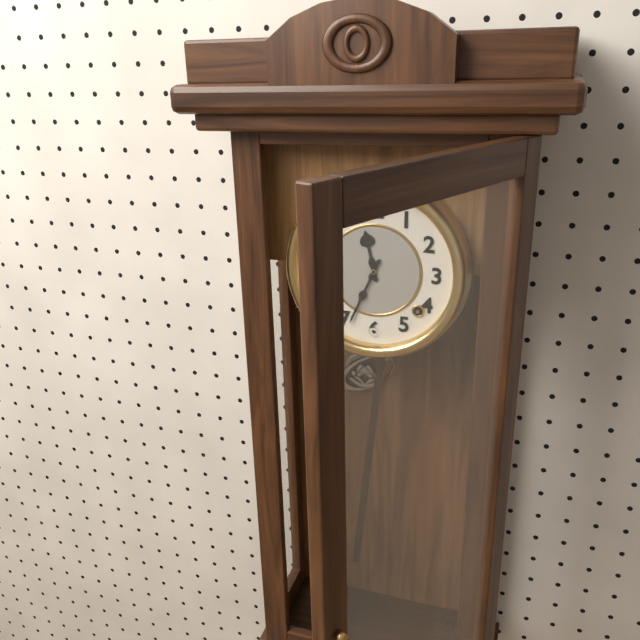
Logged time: 11,34
